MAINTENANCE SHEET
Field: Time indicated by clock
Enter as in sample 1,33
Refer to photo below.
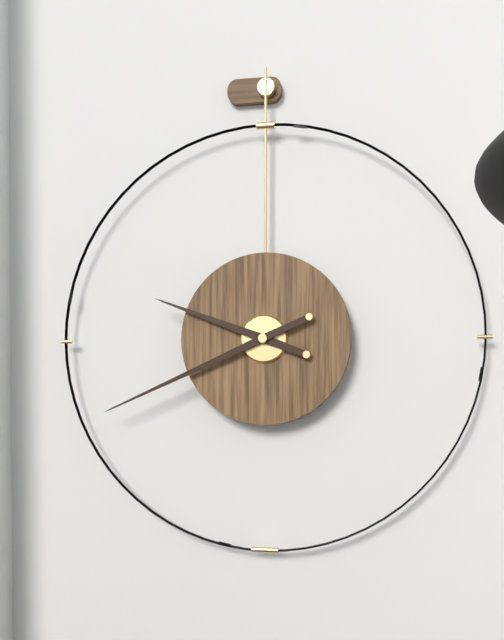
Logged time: 9,41
